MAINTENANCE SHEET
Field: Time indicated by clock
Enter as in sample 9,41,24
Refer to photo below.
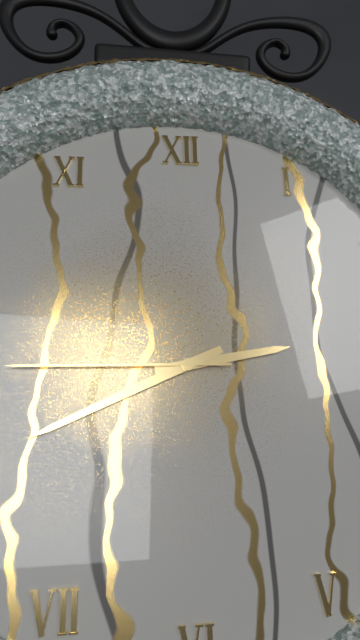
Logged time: 2,41,45
